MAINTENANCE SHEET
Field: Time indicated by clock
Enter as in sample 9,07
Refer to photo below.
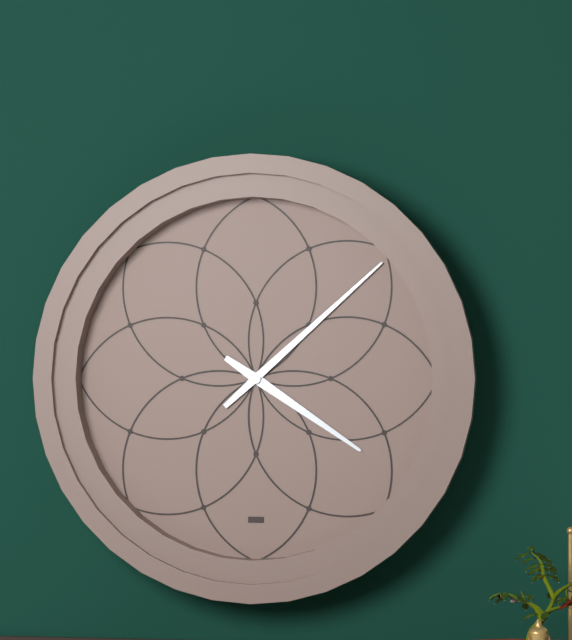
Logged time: 4,08
